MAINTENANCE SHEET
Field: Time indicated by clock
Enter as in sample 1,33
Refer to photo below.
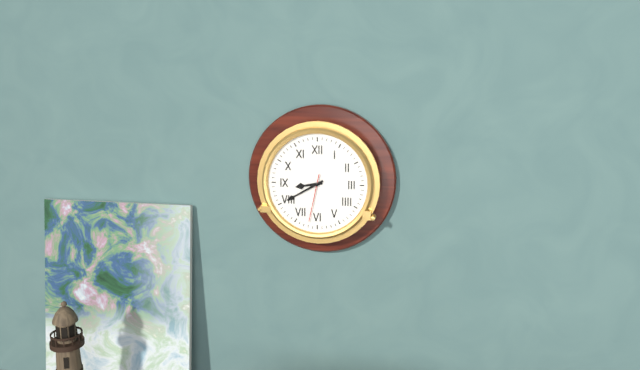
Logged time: 8,40
